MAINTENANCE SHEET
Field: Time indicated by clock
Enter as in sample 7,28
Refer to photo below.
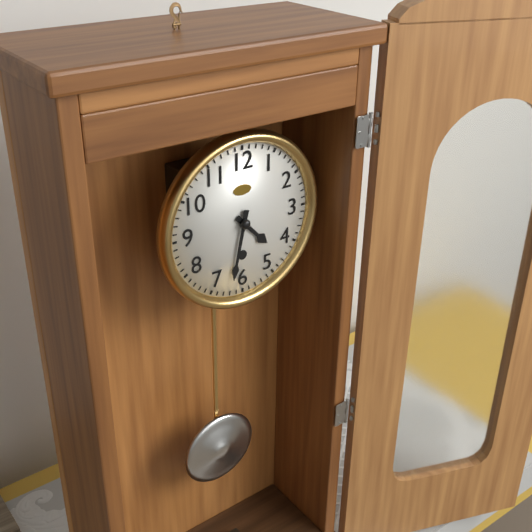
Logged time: 4,32
